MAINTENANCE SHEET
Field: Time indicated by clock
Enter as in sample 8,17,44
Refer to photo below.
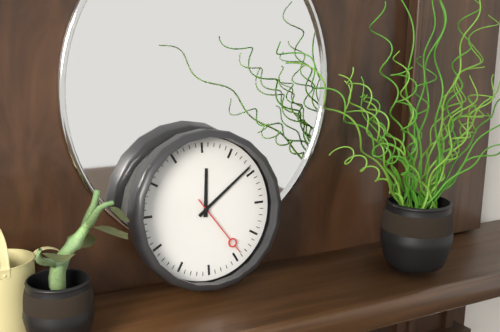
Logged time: 12,09,24
